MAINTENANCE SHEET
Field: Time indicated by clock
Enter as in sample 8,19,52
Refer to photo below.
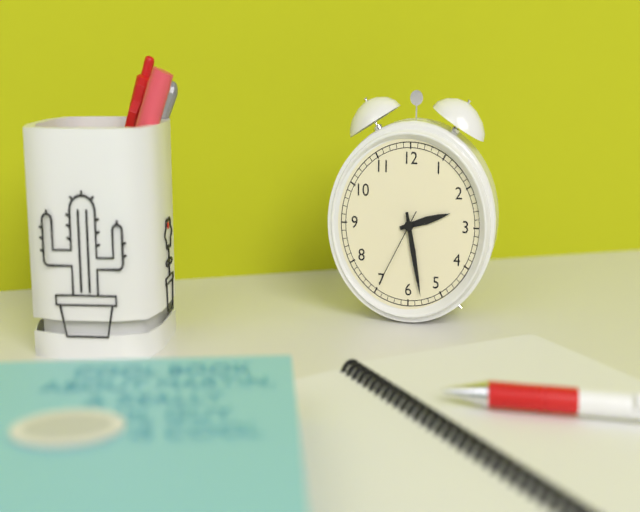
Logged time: 2,28,35
